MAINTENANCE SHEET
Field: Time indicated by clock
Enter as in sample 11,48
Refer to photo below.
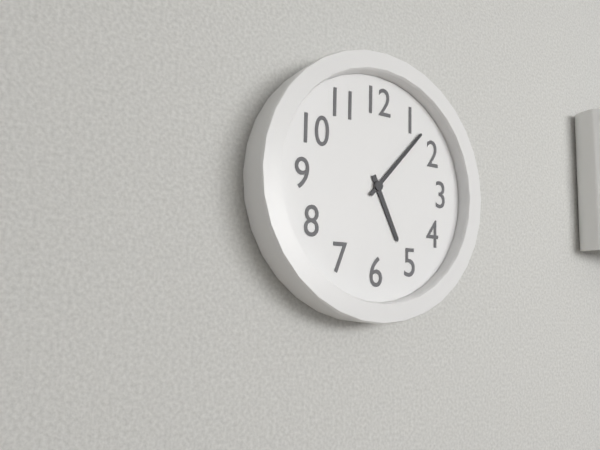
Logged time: 5,07
